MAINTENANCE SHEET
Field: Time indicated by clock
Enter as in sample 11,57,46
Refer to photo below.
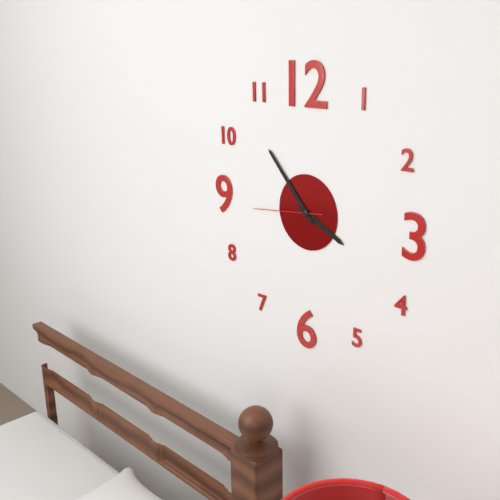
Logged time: 3,53,44
